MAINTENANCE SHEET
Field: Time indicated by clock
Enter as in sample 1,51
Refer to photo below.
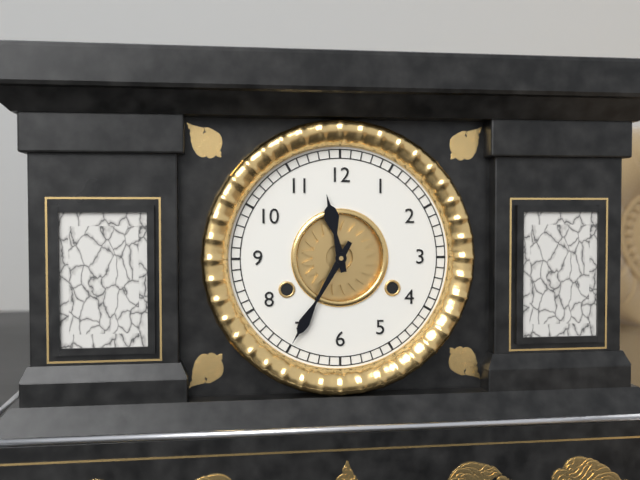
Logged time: 11,35
